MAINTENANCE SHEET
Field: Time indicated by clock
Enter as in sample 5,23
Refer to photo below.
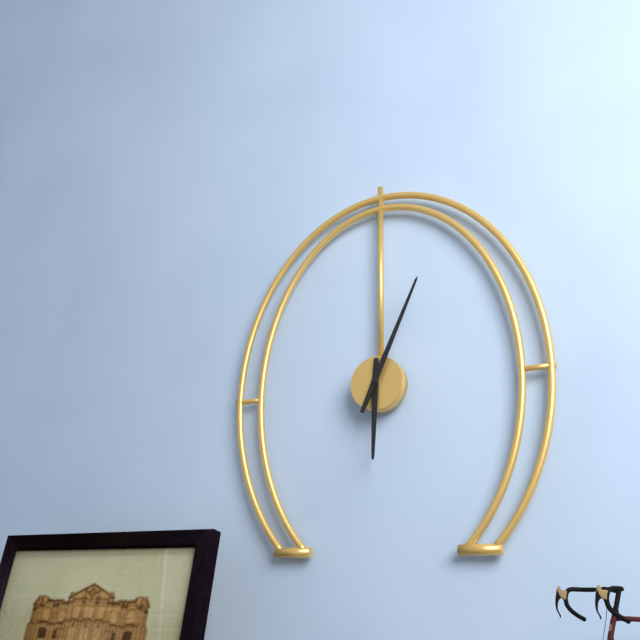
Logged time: 6,04
